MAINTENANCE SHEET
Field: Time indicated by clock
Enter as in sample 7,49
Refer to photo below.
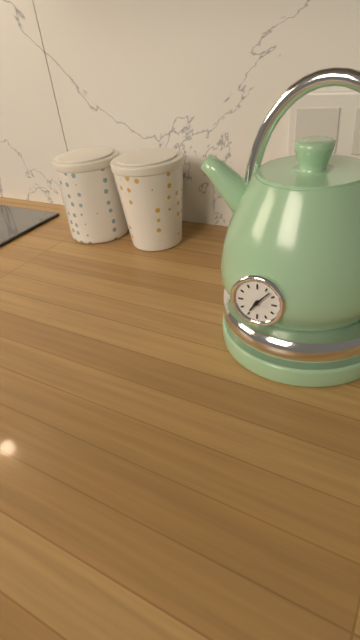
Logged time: 7,07
